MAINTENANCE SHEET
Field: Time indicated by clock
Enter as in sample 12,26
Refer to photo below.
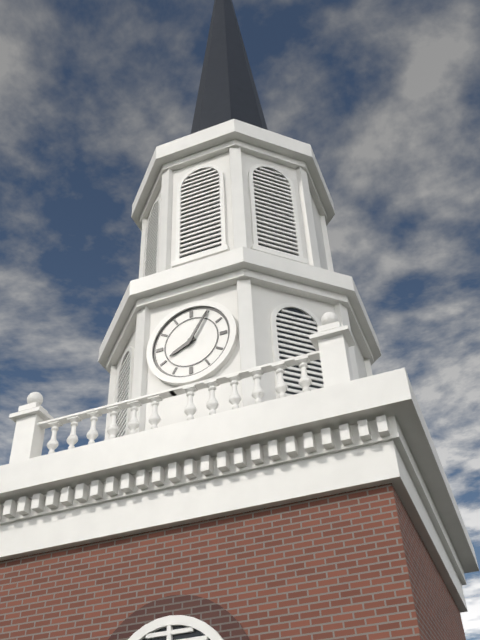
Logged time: 8,05
